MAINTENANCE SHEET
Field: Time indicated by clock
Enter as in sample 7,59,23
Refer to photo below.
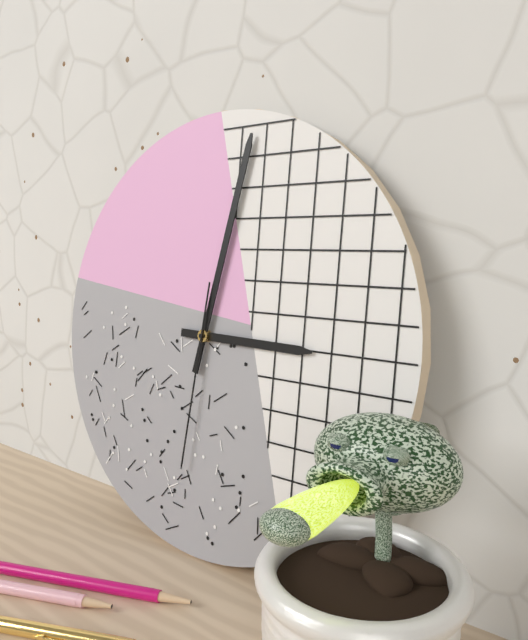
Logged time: 3,02,31
